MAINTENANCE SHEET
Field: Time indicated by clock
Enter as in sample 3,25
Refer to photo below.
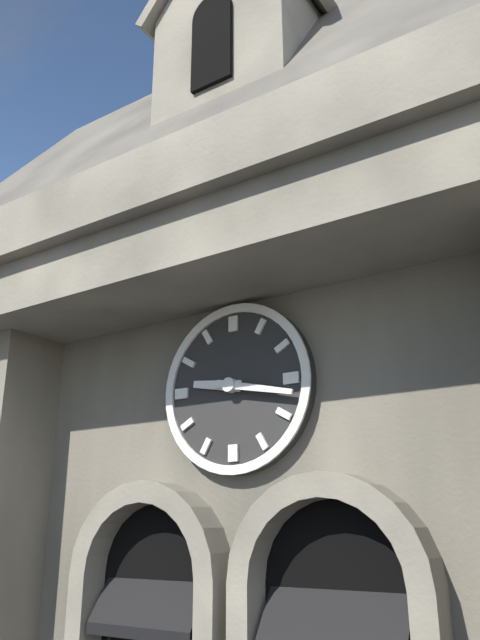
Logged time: 9,17
